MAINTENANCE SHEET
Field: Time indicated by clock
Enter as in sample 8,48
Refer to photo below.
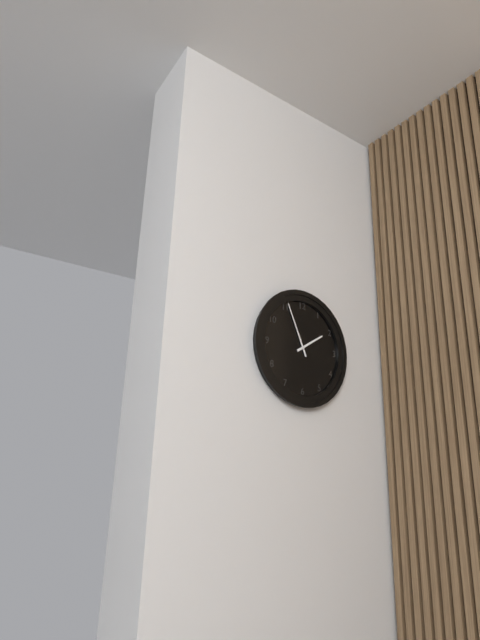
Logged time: 1,56
